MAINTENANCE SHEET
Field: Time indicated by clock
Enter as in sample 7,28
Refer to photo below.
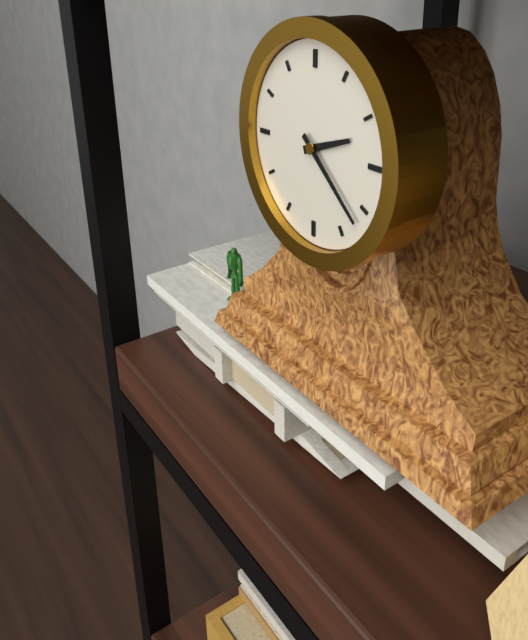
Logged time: 2,22
